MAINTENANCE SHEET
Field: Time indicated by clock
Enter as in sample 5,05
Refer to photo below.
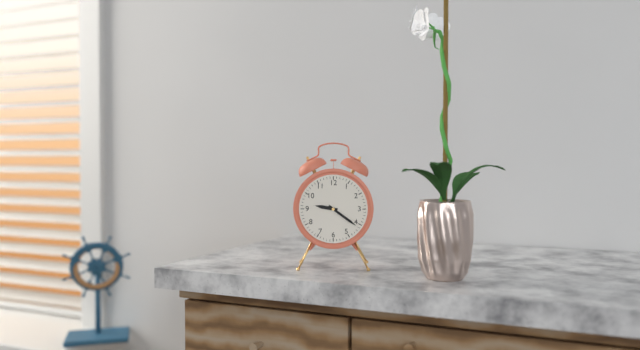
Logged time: 9,21
